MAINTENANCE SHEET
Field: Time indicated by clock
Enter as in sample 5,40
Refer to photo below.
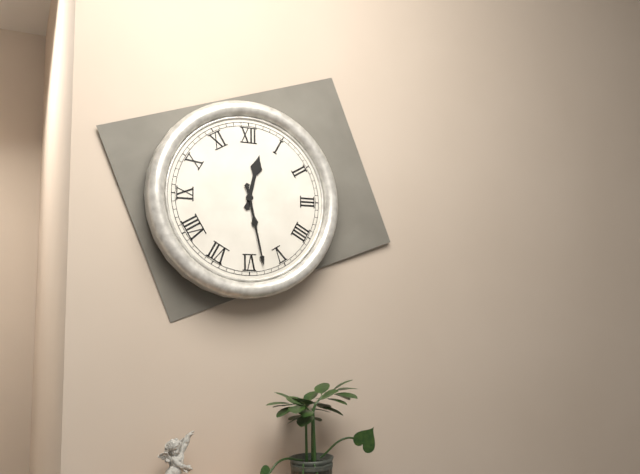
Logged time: 12,28
